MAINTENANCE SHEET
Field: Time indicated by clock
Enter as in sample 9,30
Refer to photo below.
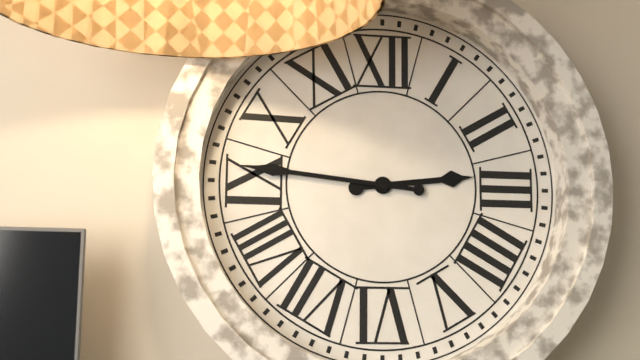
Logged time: 2,46
